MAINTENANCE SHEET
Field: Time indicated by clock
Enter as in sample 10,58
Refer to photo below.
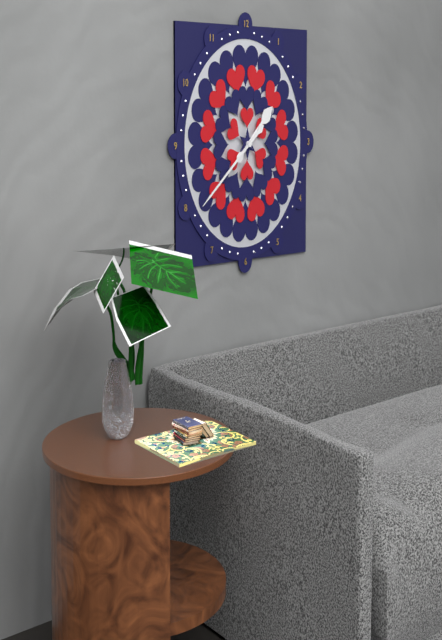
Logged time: 1,39
